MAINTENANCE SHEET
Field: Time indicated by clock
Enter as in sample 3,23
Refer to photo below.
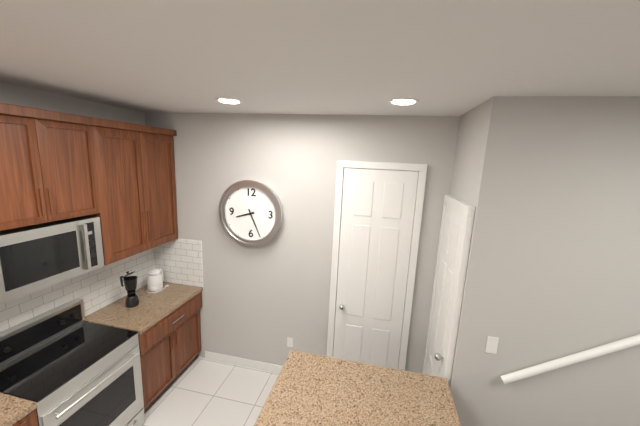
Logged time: 8,26
